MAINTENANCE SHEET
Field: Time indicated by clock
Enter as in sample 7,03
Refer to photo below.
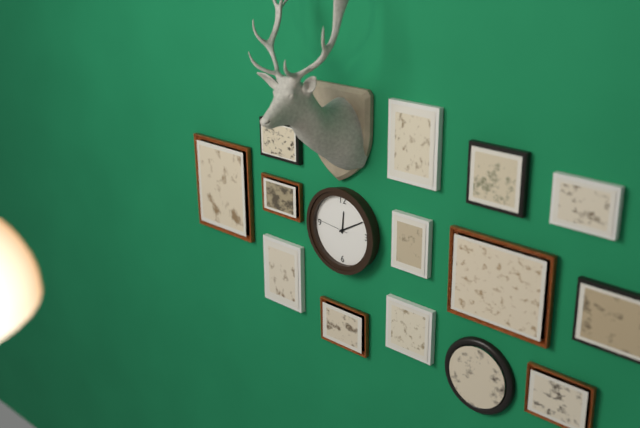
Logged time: 12,10
